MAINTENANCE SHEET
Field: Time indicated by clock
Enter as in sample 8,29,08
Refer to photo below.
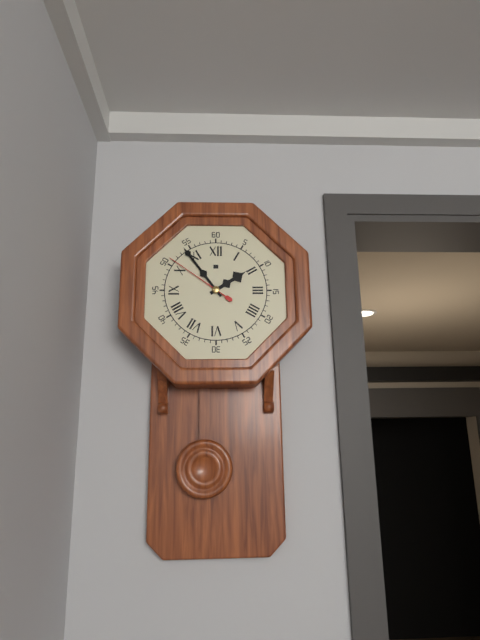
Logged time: 1,54,51
